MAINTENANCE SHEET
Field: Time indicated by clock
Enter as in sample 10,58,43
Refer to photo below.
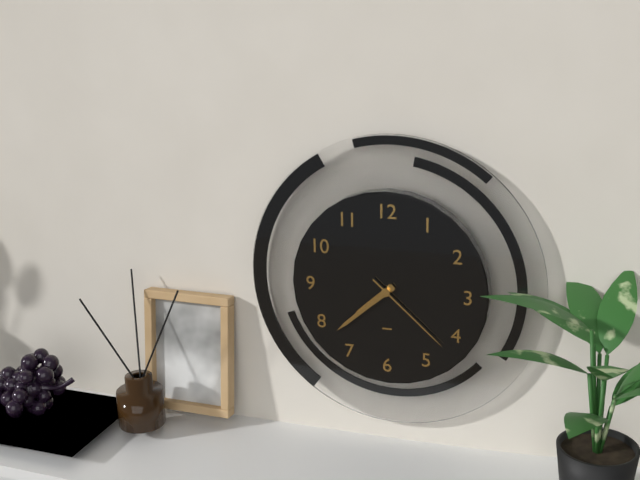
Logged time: 7,38,22
